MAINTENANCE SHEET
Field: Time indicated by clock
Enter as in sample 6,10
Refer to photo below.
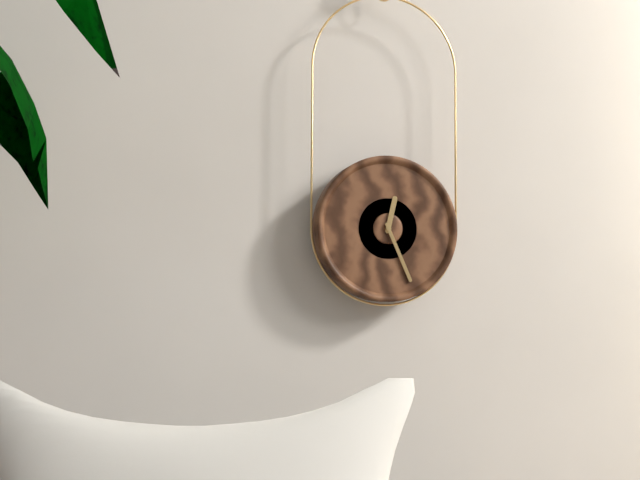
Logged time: 12,26
